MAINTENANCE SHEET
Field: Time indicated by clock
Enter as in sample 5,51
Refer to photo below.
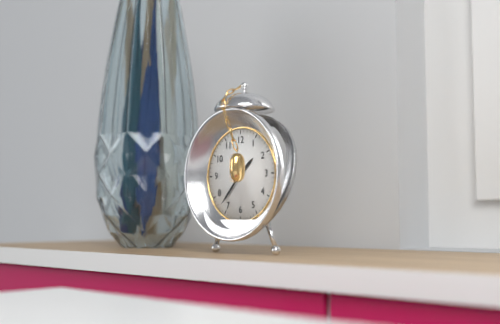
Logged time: 1,37
